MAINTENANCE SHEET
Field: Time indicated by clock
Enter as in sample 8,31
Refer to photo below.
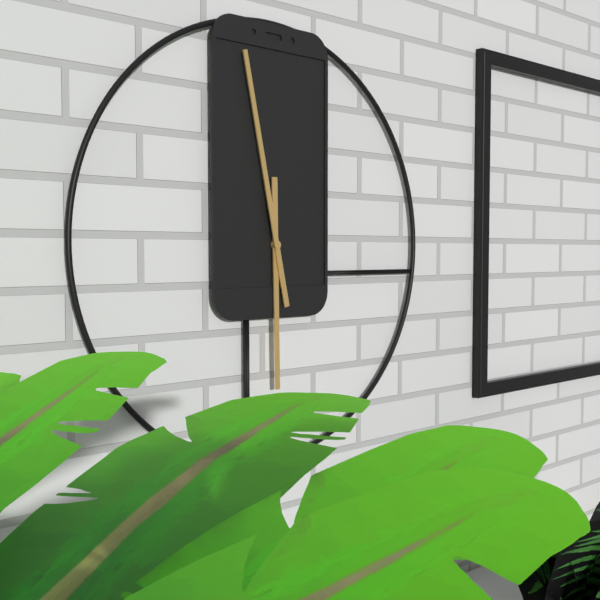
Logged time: 5,58
